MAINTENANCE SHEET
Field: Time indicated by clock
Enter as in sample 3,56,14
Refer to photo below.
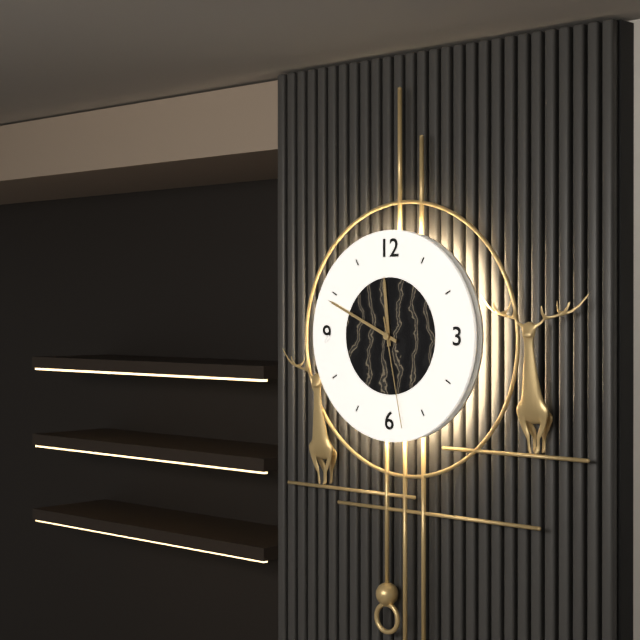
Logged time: 11,49,28
